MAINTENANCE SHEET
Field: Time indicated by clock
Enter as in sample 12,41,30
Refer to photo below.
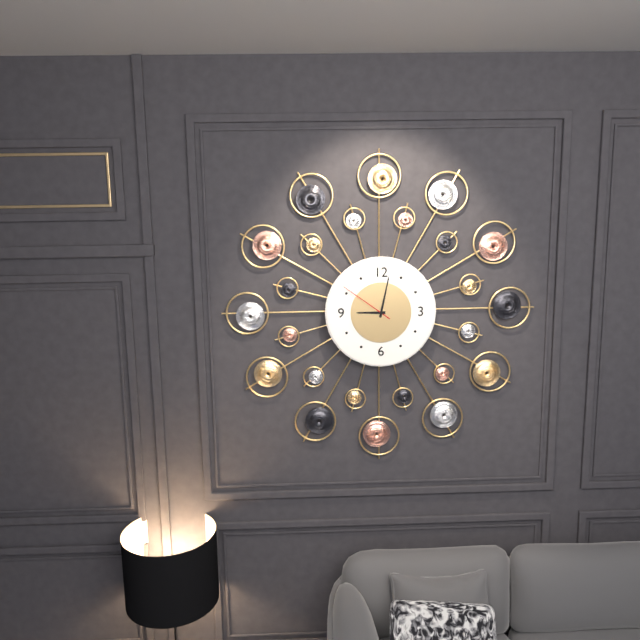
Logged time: 9,02,51
